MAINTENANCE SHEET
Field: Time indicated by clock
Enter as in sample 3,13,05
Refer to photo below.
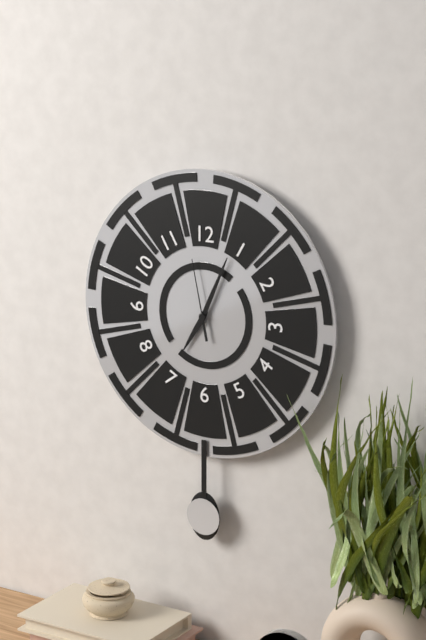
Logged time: 7,04,58
